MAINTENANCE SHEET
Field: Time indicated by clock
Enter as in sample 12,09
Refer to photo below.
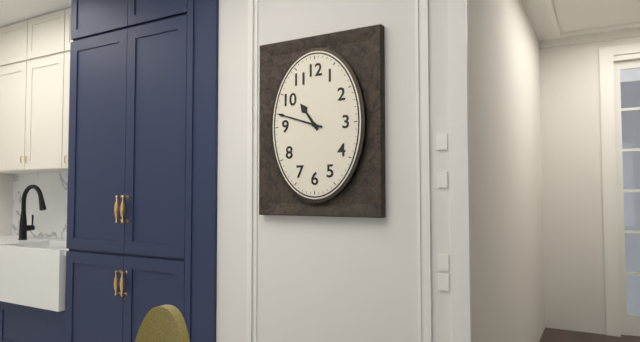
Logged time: 10,48
